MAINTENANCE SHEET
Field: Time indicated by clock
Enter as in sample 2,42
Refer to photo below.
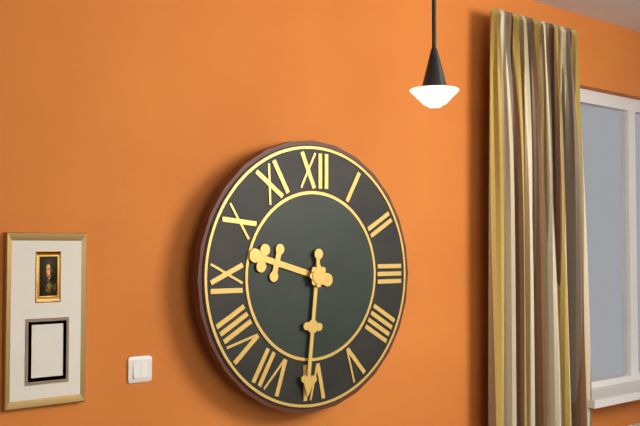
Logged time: 9,31
